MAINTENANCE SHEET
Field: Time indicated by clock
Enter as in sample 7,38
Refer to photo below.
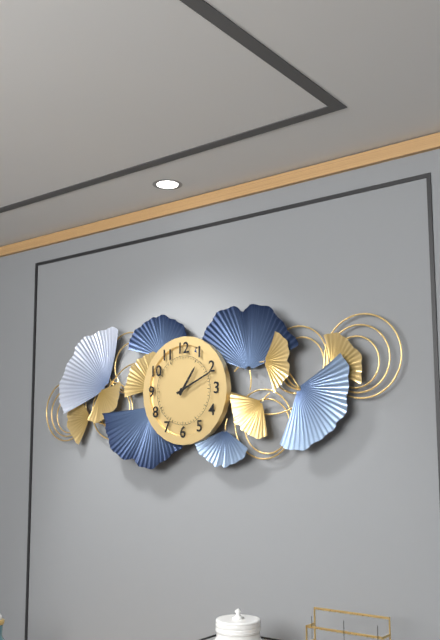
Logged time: 1,11
